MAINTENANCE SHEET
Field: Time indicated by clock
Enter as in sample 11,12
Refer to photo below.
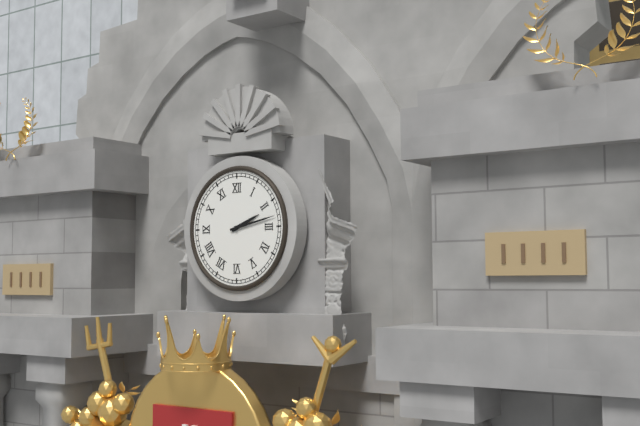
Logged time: 2,13
